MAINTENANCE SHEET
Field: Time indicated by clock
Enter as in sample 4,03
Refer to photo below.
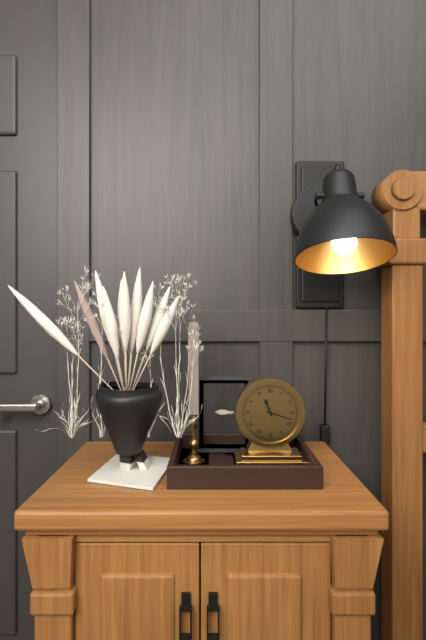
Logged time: 11,18
